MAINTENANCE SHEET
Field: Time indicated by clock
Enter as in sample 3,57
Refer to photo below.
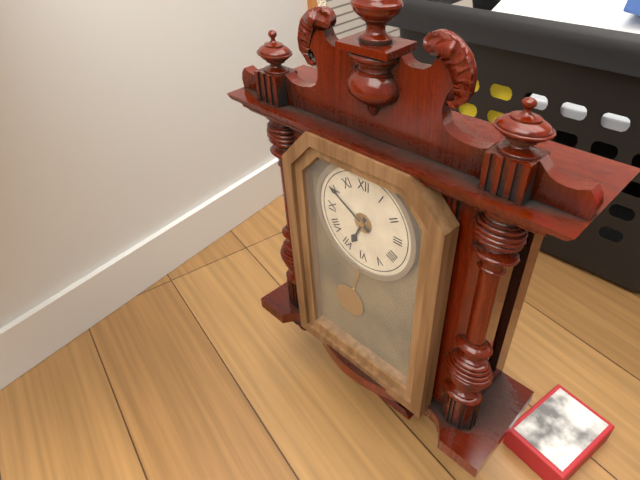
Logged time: 6,50
